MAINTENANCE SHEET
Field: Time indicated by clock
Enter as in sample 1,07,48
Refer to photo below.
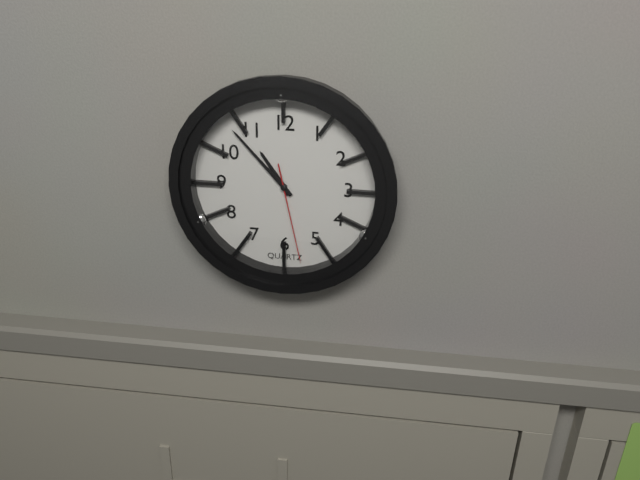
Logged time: 10,53,28
